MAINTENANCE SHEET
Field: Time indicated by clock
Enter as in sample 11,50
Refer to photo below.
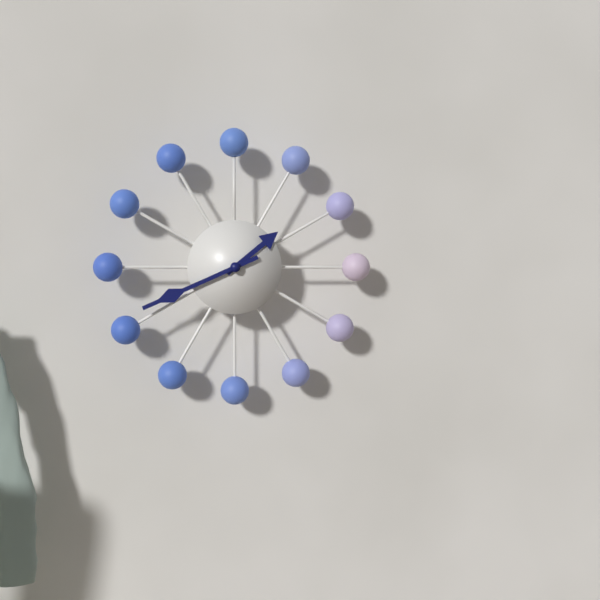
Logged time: 1,41
